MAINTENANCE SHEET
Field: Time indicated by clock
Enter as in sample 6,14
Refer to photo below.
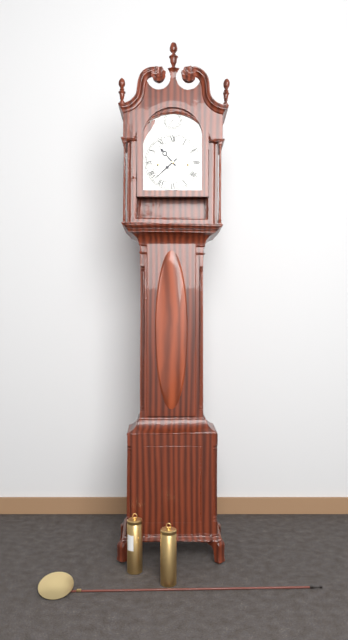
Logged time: 10,38
